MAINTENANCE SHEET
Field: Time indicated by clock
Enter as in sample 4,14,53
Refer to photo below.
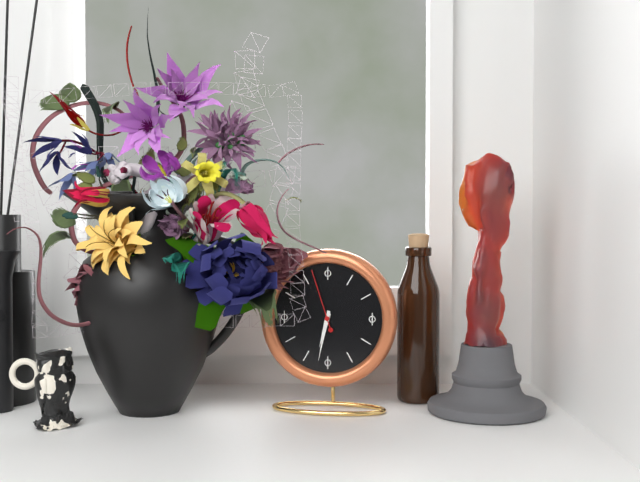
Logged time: 6,32,57
